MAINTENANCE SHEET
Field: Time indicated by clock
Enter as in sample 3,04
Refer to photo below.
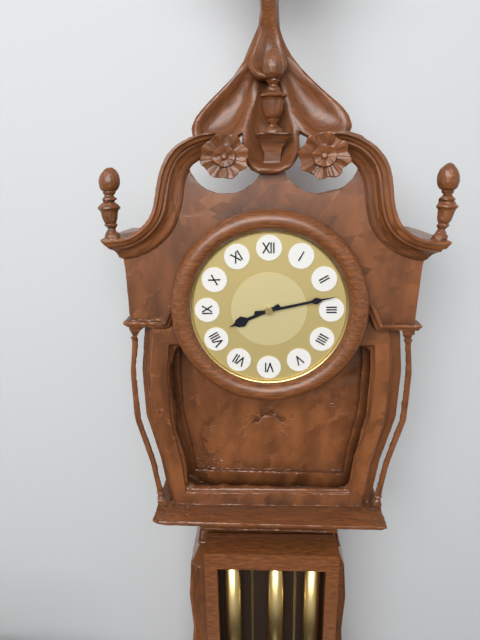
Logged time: 8,13
